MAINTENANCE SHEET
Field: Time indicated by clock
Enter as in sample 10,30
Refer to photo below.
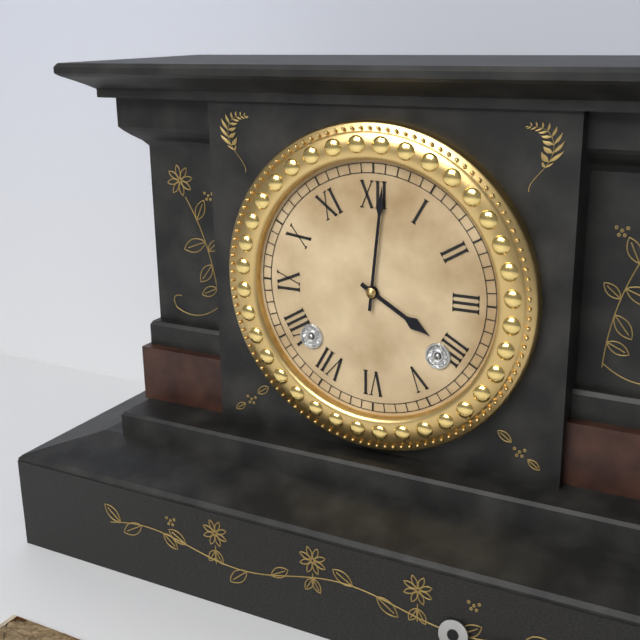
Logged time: 4,01
